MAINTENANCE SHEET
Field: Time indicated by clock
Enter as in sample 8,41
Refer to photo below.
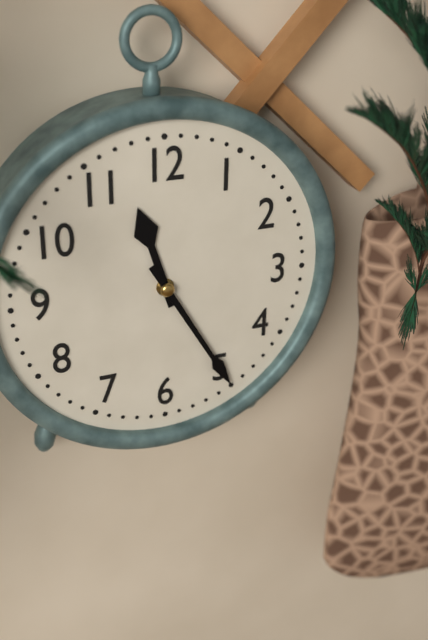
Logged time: 11,25
